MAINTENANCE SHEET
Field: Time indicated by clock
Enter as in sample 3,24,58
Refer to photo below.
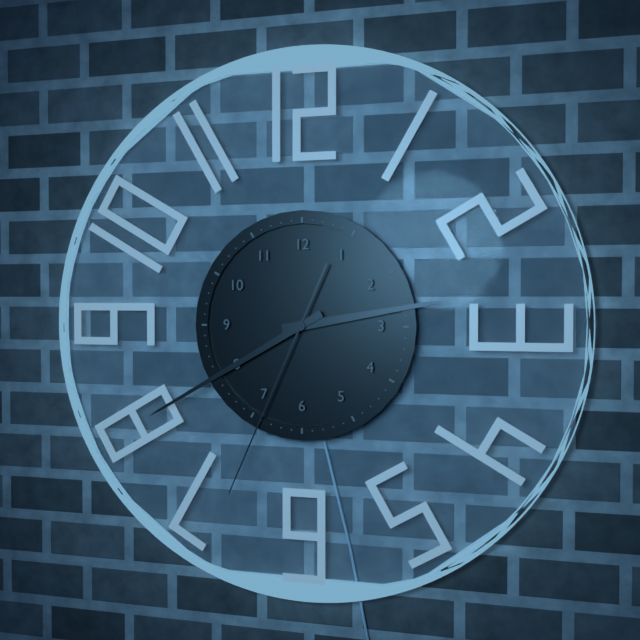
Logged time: 2,40,34
